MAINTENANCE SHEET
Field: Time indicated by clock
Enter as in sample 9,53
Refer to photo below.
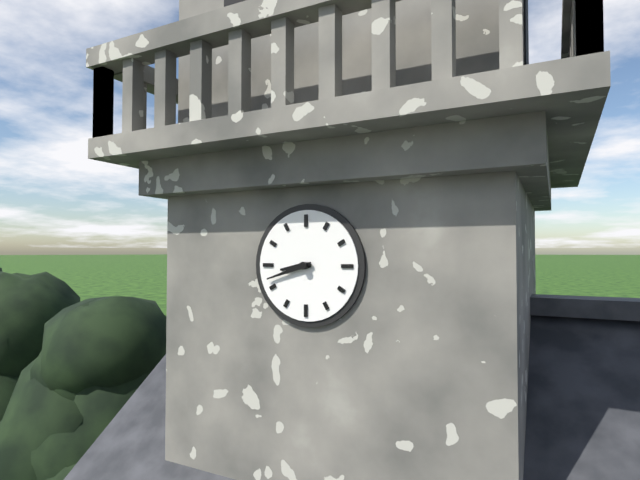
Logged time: 8,42
